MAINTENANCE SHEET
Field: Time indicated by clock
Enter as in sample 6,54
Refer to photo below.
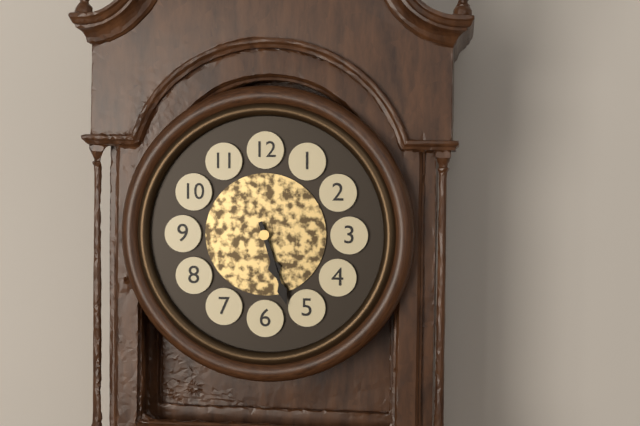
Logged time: 5,27
